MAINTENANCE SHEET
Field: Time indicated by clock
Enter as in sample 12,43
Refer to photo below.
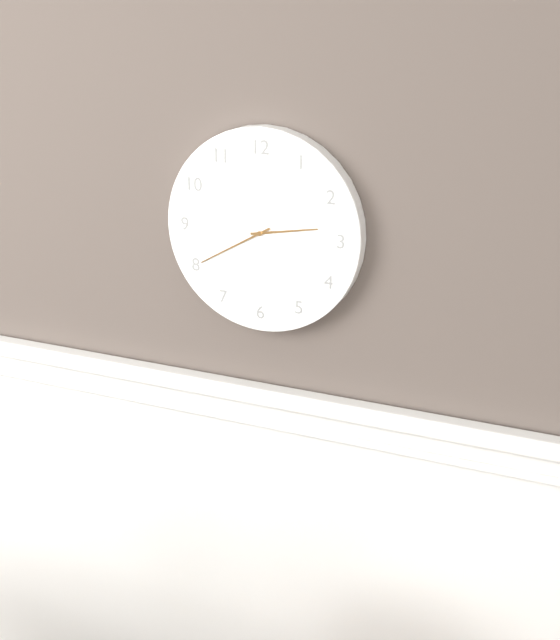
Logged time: 2,40
